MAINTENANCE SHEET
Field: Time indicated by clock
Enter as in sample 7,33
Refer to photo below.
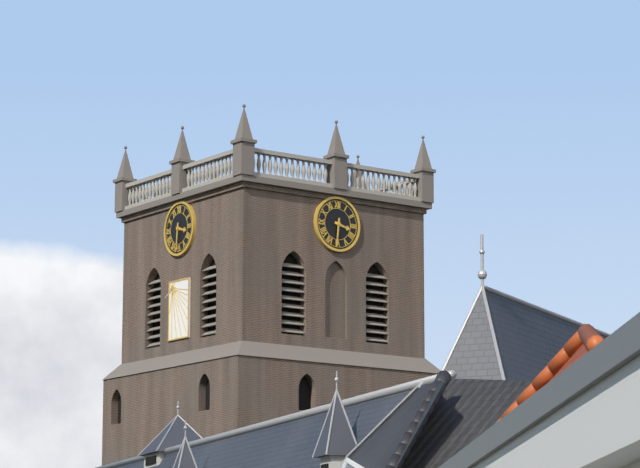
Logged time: 3,31
